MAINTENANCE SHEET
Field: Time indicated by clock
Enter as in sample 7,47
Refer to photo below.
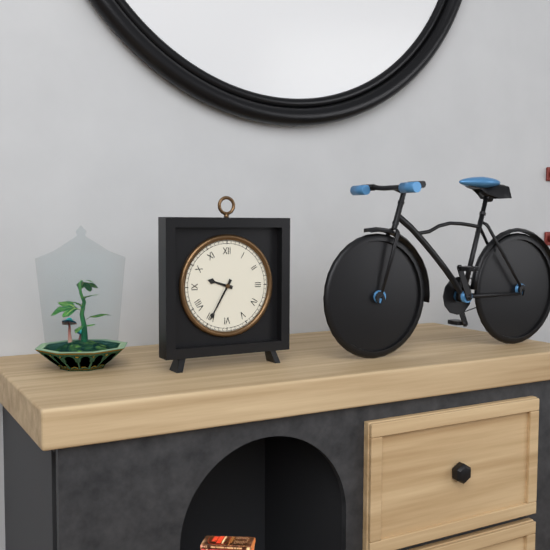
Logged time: 9,35
